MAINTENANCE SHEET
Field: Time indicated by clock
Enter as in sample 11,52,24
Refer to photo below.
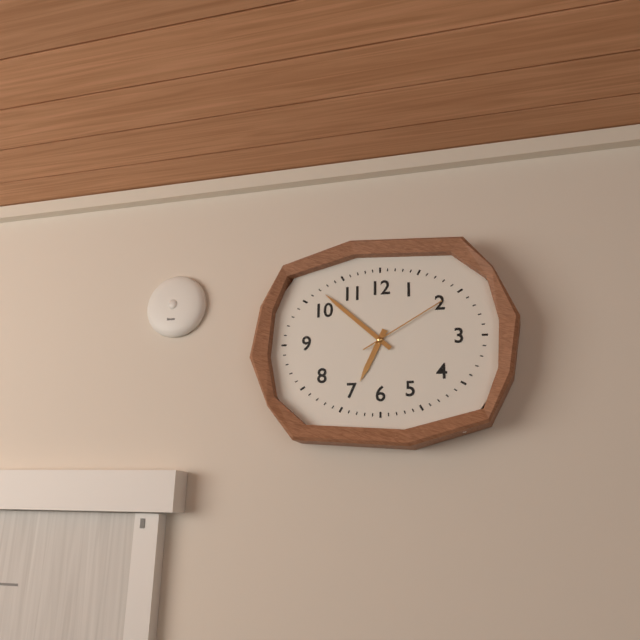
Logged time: 6,52,10
